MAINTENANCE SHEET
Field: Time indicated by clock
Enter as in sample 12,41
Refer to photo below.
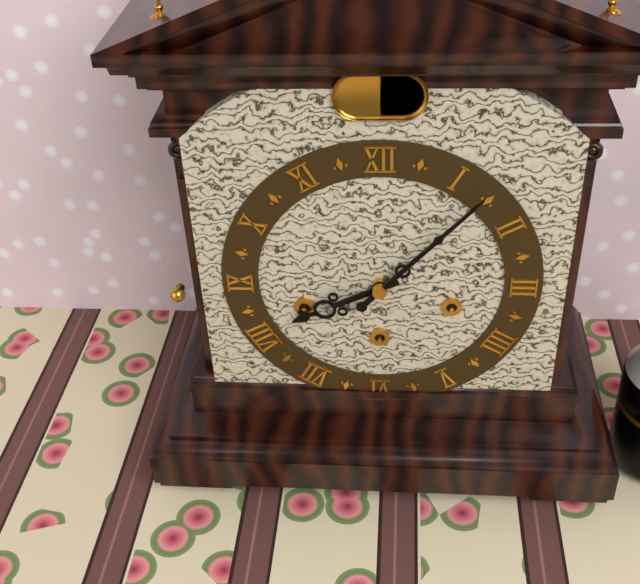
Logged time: 8,07
